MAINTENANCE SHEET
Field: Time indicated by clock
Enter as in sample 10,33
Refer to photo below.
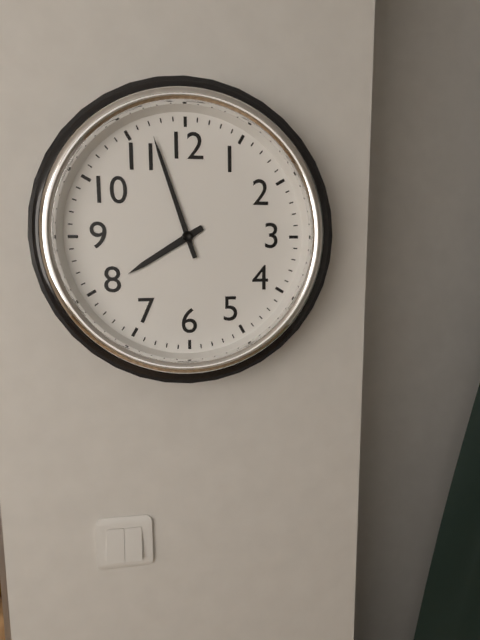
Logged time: 7,57
